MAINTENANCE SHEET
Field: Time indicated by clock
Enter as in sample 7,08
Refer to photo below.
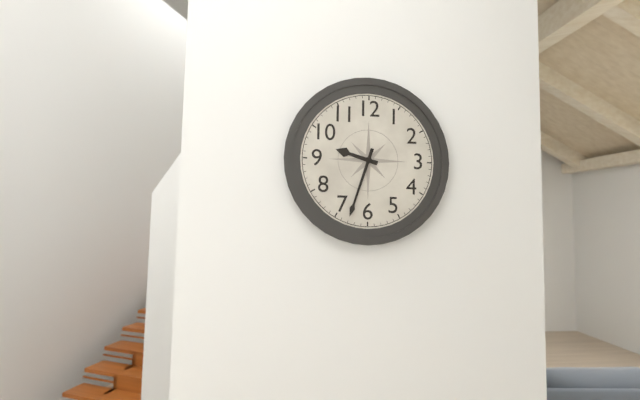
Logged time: 9,33
